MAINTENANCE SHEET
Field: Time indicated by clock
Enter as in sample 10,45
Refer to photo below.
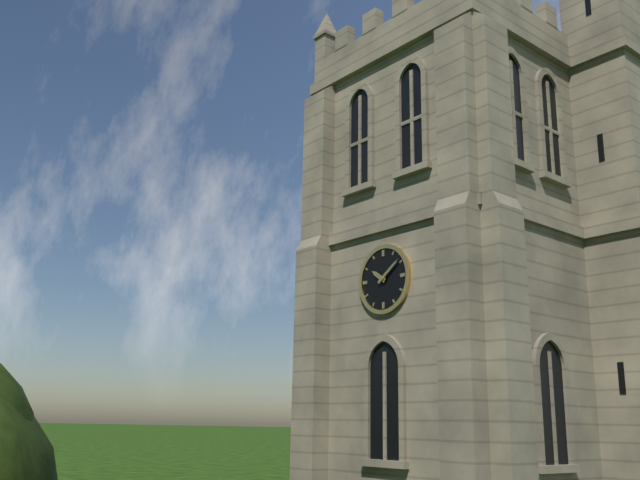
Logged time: 10,09
